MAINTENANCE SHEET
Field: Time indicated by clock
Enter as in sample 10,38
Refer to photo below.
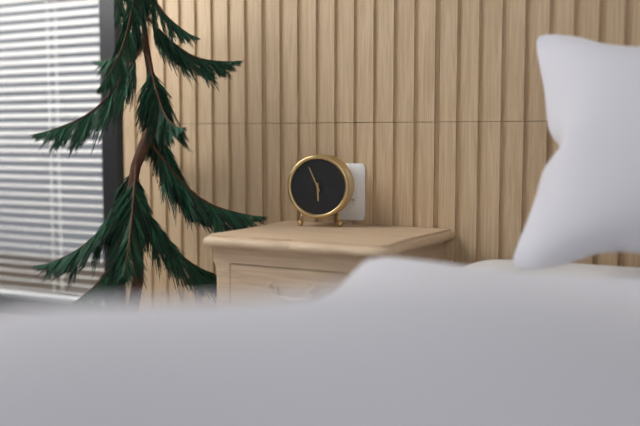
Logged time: 5,56
